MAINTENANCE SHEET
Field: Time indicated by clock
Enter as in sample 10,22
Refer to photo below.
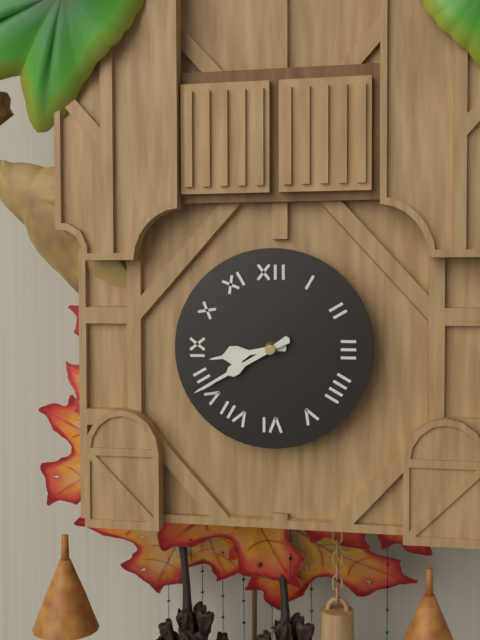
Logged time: 8,40
